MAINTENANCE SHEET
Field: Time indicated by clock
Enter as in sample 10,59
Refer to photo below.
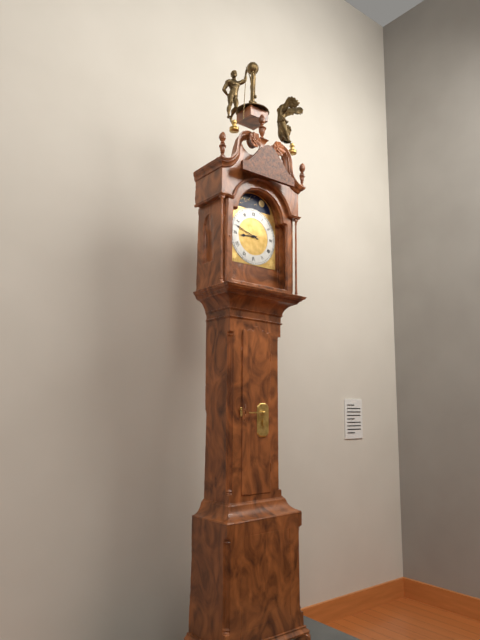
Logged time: 8,48
